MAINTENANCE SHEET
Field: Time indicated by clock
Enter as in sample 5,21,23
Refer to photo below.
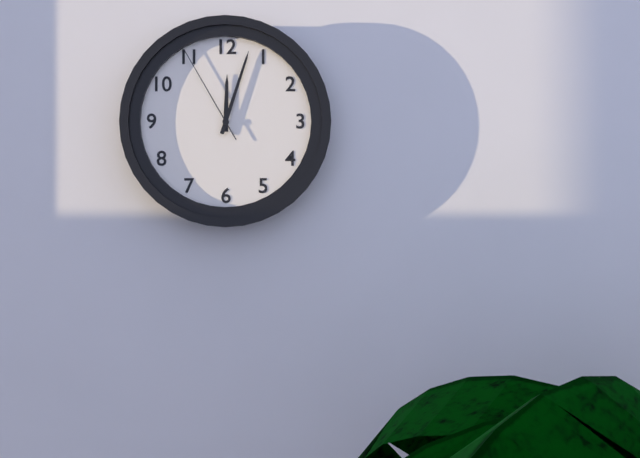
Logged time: 12,03,55
